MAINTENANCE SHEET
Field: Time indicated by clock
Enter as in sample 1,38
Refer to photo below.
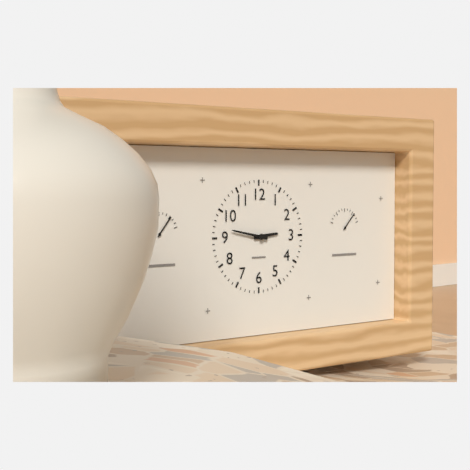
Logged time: 2,47
